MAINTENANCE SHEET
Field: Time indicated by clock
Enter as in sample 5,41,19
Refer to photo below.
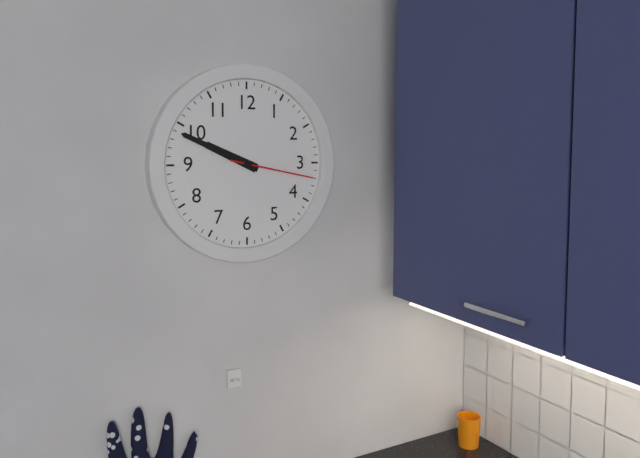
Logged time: 9,49,17
